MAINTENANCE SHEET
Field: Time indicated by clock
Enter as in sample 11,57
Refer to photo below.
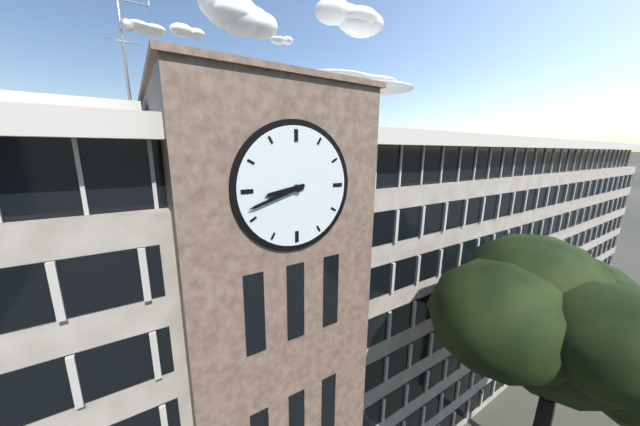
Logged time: 8,42
